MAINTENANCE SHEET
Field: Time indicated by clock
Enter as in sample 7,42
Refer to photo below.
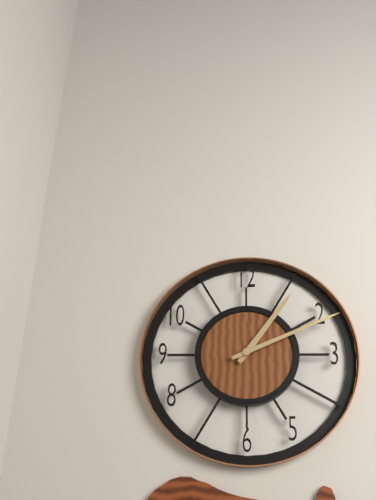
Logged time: 1,11
